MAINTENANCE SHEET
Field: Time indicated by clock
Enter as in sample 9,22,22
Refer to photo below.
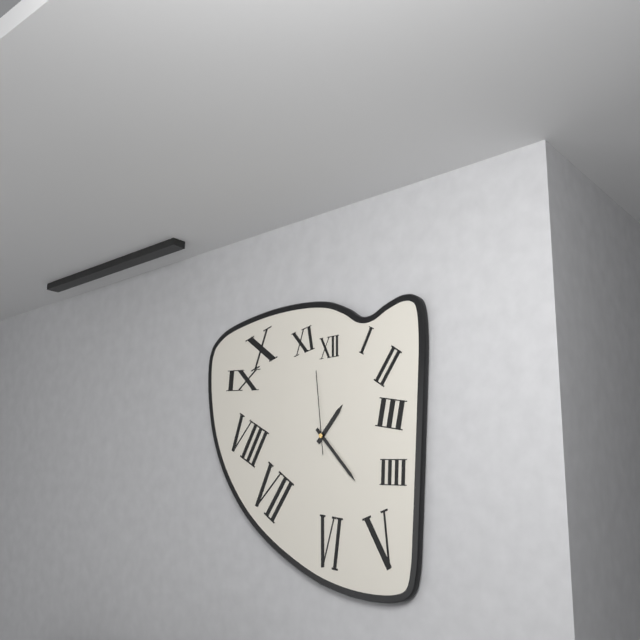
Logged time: 1,23,59
